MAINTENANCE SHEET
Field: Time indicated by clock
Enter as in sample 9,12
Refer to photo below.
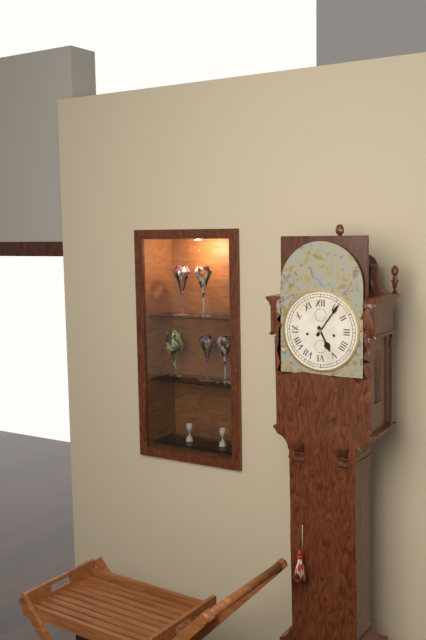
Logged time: 5,06
